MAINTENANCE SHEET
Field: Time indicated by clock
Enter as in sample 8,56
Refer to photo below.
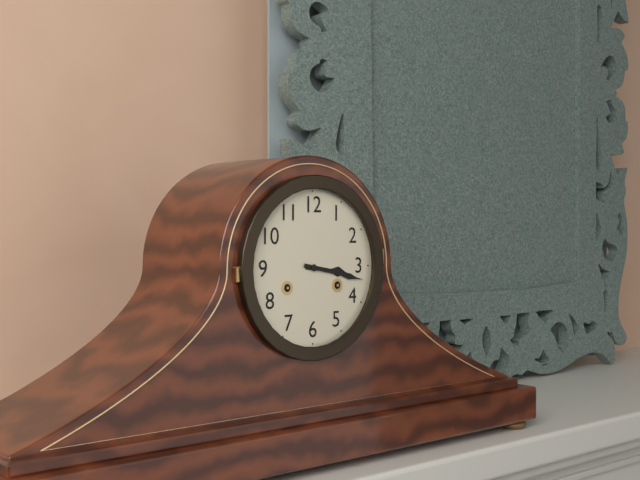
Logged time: 3,17
